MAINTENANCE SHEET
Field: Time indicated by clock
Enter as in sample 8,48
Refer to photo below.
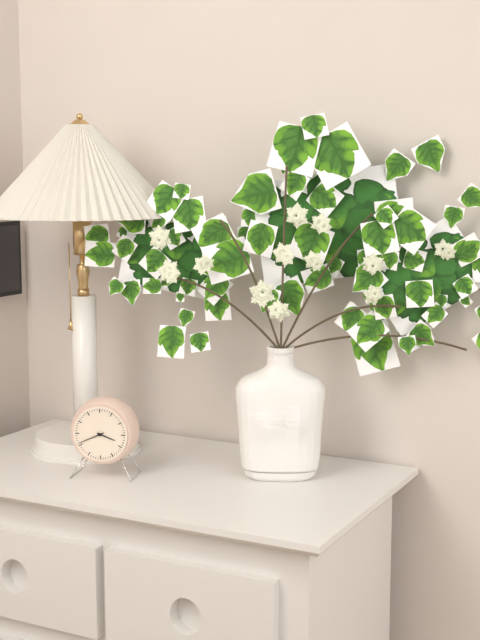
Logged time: 3,41
